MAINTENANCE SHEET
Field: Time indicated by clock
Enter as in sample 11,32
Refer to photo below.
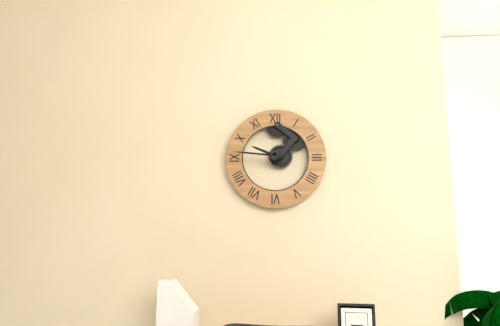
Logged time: 9,46
